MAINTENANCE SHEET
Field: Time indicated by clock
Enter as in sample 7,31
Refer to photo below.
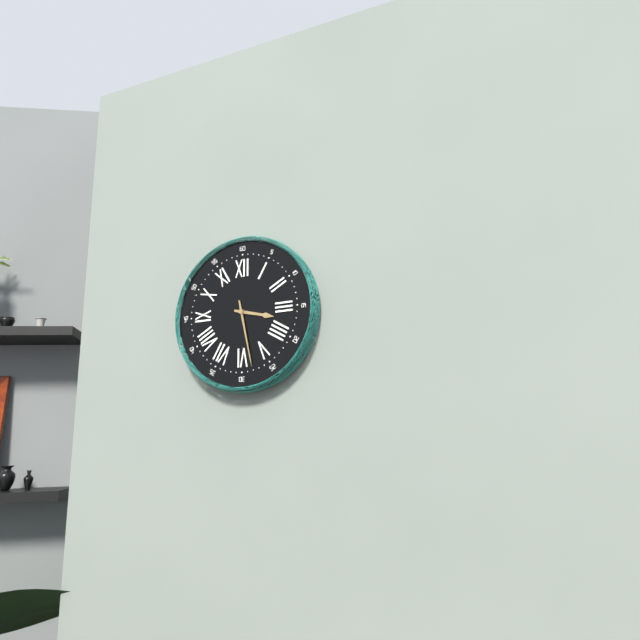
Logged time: 3,28
